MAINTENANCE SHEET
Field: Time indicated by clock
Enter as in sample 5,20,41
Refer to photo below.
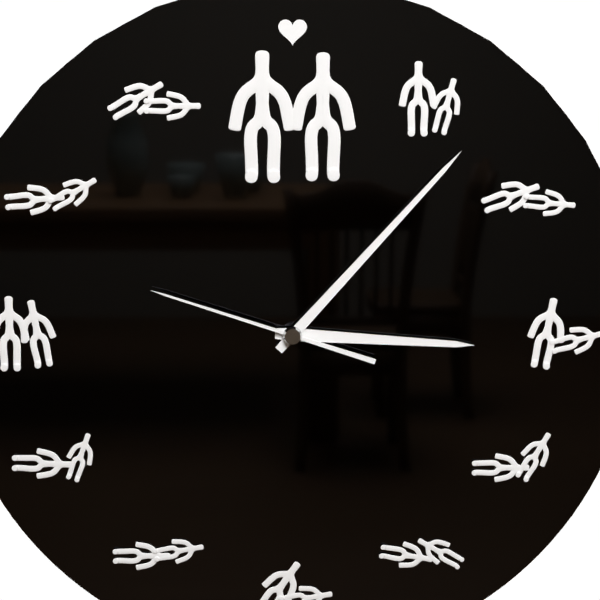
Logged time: 3,07,48
